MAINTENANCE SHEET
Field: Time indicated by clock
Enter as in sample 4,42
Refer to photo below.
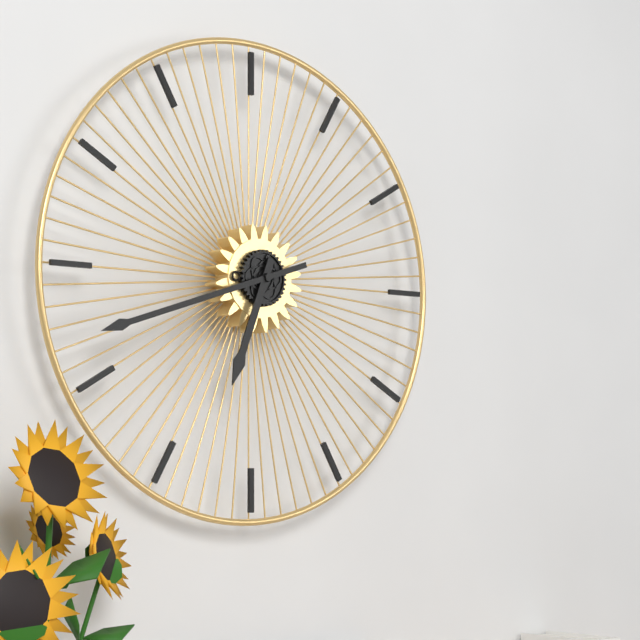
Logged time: 6,42
